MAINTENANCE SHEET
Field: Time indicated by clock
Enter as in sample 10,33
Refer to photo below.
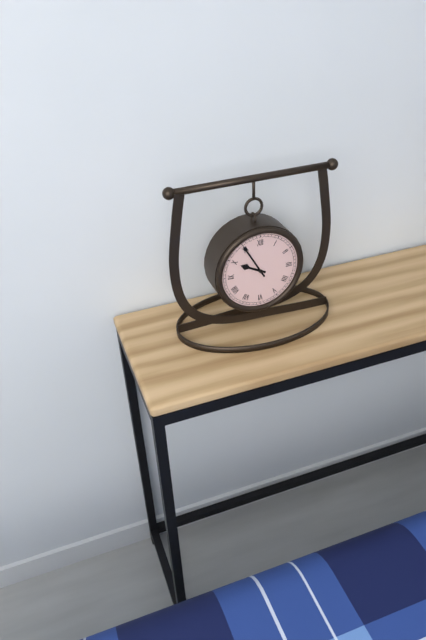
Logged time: 9,55
